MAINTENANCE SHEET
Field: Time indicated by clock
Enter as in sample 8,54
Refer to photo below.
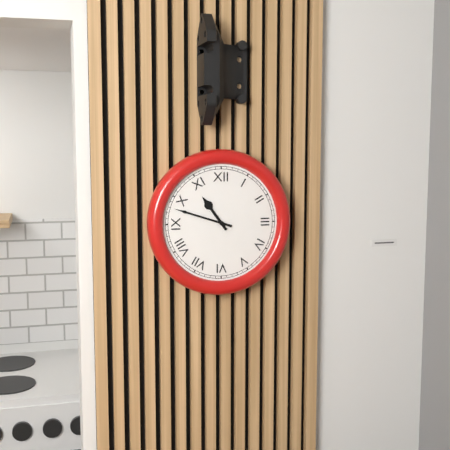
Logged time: 10,48
